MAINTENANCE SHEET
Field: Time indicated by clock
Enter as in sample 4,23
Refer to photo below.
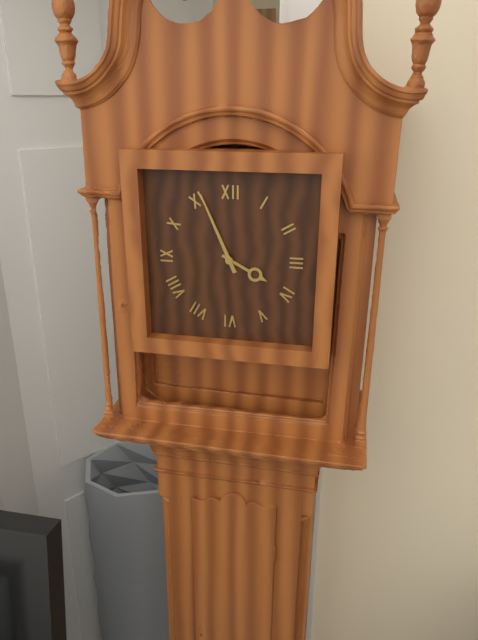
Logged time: 3,56
